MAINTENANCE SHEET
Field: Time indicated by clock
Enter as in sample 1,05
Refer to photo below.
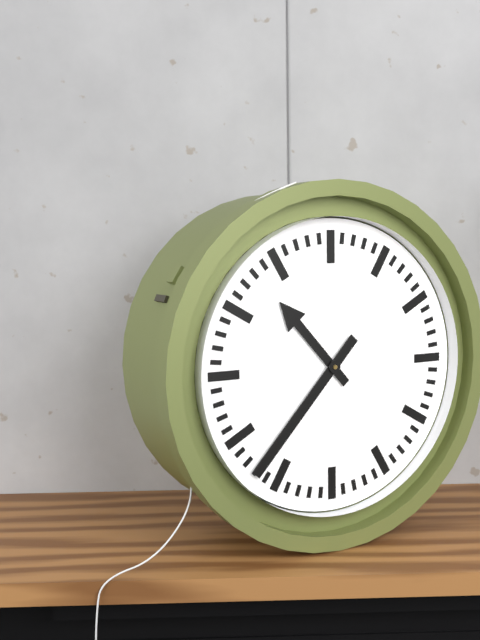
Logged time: 10,37
